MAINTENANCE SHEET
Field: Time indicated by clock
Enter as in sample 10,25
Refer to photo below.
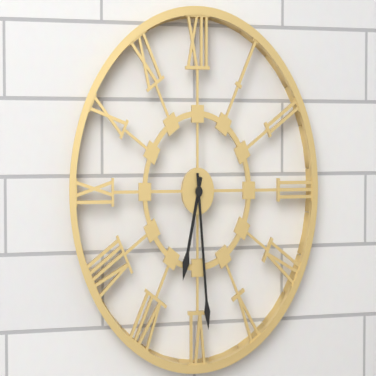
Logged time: 6,29
